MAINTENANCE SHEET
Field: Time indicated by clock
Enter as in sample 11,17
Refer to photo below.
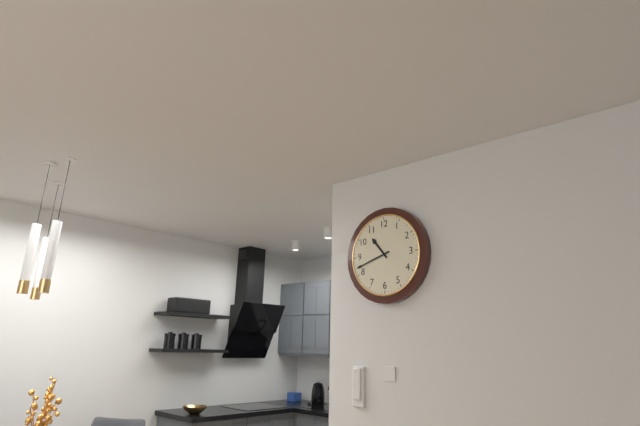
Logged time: 10,42
